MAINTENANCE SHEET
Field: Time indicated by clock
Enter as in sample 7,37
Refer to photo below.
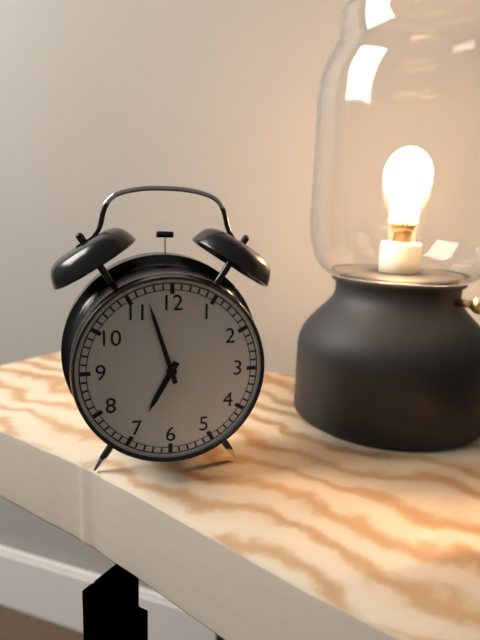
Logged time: 6,57
